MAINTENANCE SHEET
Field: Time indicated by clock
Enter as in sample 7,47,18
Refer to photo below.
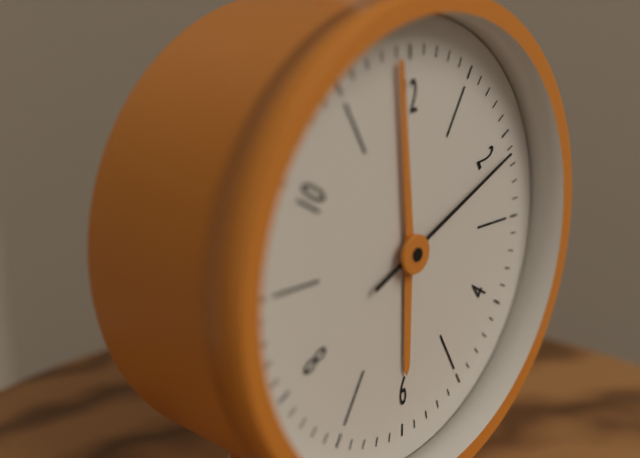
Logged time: 5,59,11
